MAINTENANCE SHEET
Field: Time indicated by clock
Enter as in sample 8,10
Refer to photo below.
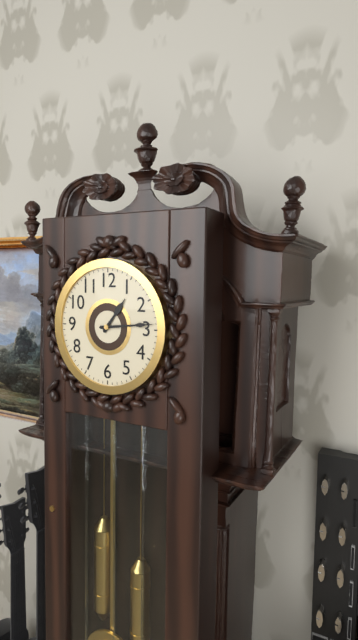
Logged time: 1,14
